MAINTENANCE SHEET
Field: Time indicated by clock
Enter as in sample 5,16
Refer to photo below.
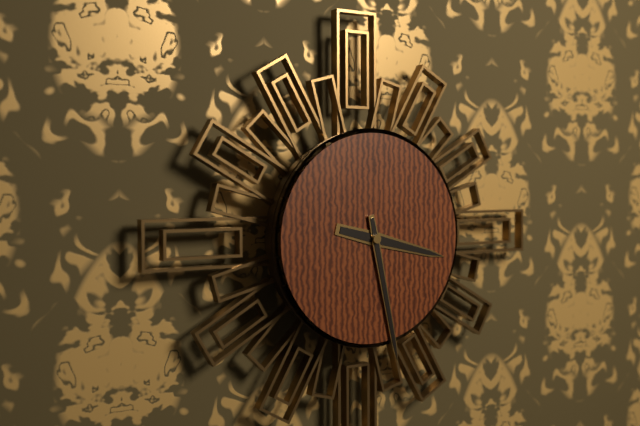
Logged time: 3,28
